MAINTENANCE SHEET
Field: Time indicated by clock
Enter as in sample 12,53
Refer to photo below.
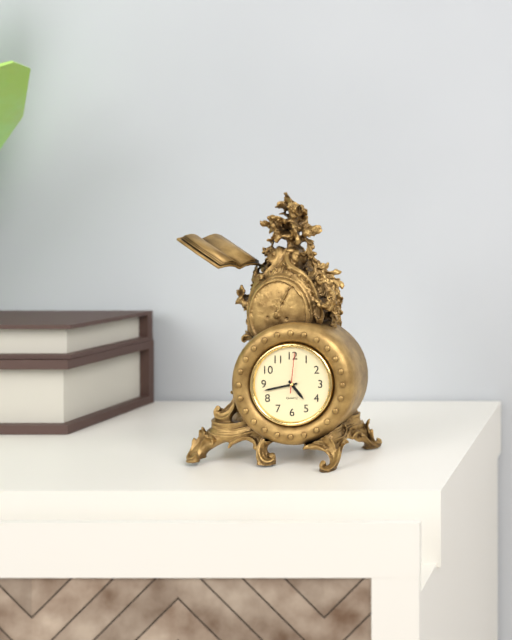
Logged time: 4,43
